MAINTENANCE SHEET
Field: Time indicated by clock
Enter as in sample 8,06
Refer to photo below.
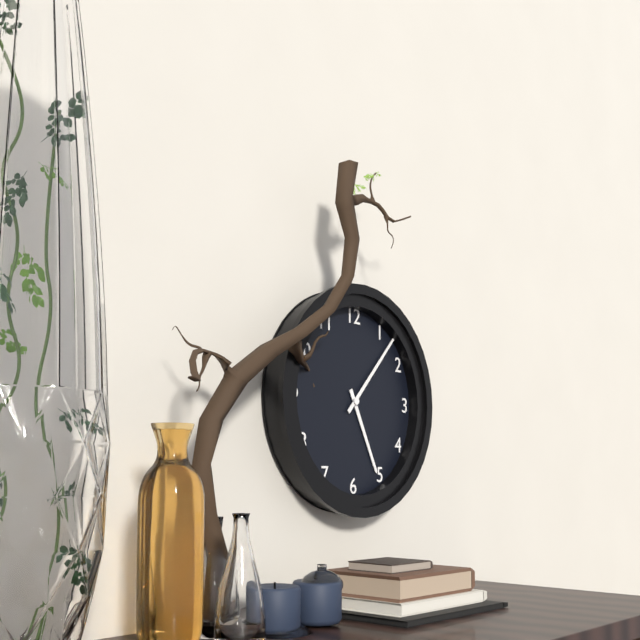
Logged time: 5,07
